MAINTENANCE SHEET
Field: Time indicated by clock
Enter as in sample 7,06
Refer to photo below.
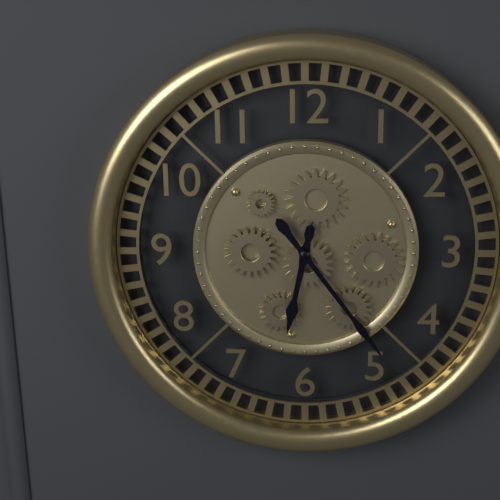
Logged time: 6,24
